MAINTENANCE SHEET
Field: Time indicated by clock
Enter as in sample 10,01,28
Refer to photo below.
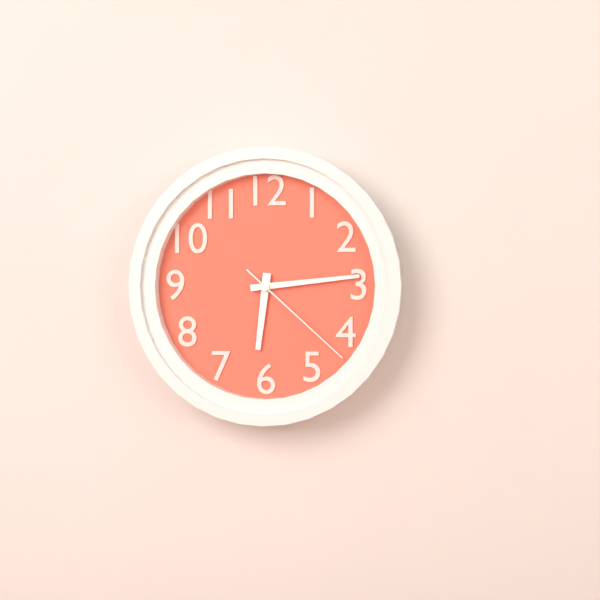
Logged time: 6,14,22
